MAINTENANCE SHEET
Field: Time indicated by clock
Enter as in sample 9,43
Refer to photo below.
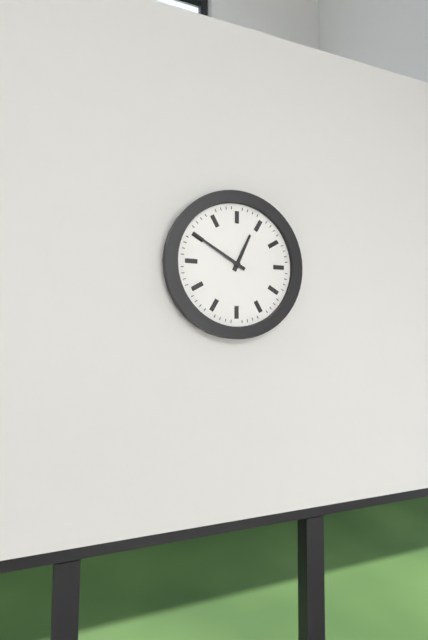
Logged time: 12,50
